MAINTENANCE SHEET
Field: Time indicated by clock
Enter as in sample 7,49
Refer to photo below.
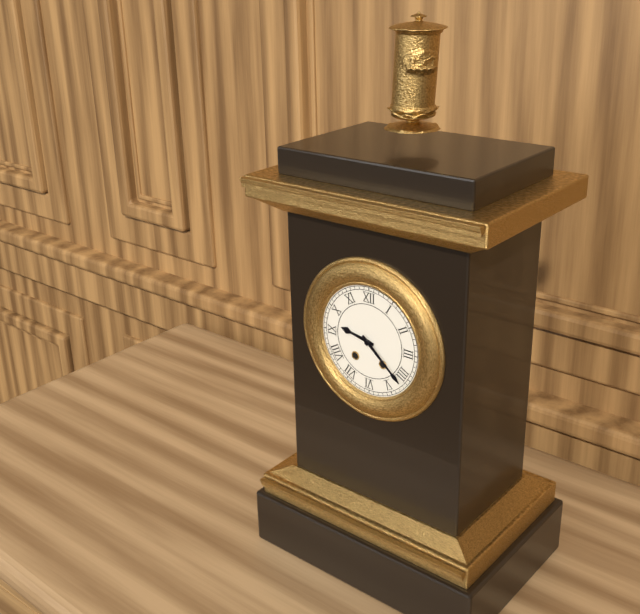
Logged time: 9,22
